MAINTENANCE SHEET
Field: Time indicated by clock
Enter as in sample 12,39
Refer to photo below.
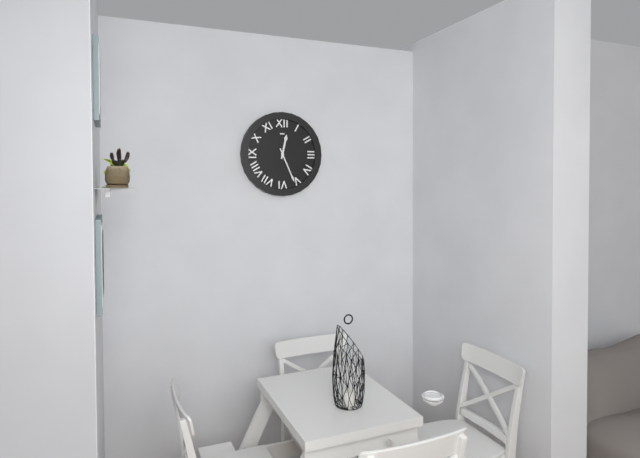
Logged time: 12,26
